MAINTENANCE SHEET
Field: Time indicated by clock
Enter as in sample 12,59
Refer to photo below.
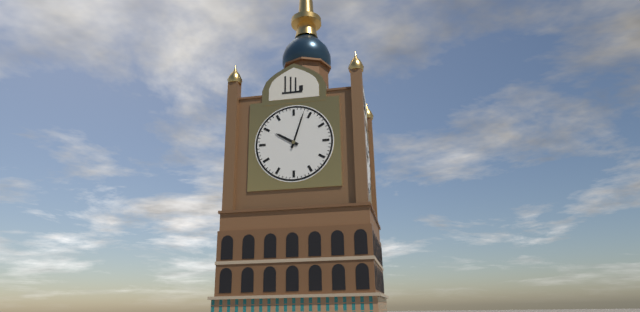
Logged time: 10,03
